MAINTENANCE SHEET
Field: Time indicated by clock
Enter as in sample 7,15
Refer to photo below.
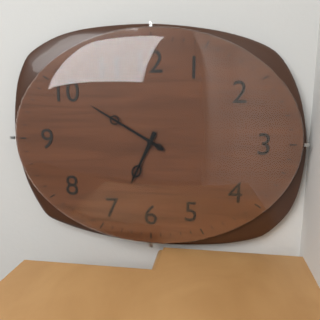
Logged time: 6,50
